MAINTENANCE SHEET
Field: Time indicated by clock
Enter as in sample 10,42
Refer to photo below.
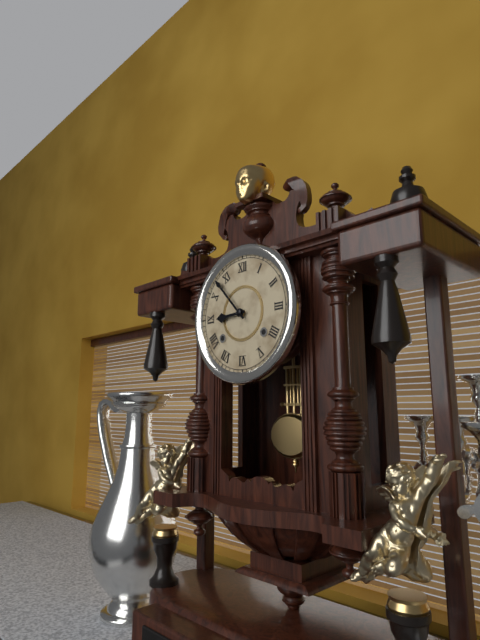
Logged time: 8,53
